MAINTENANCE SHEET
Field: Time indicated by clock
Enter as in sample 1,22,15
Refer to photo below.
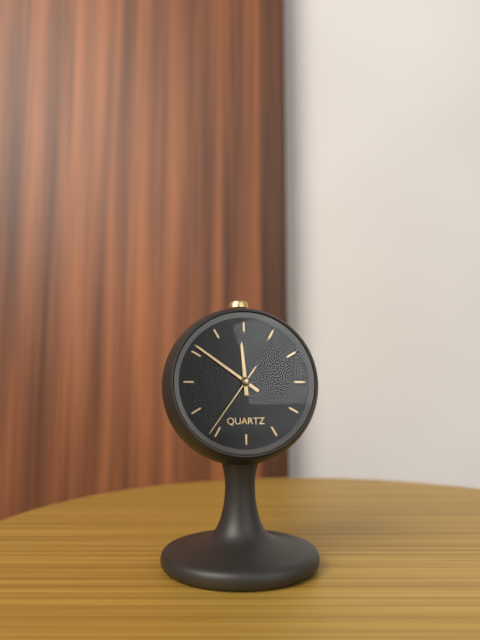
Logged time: 11,51,36
